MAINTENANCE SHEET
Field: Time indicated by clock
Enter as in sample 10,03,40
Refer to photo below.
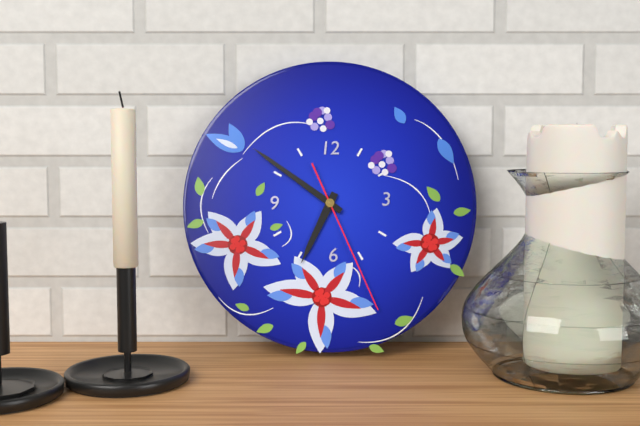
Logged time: 6,51,26
